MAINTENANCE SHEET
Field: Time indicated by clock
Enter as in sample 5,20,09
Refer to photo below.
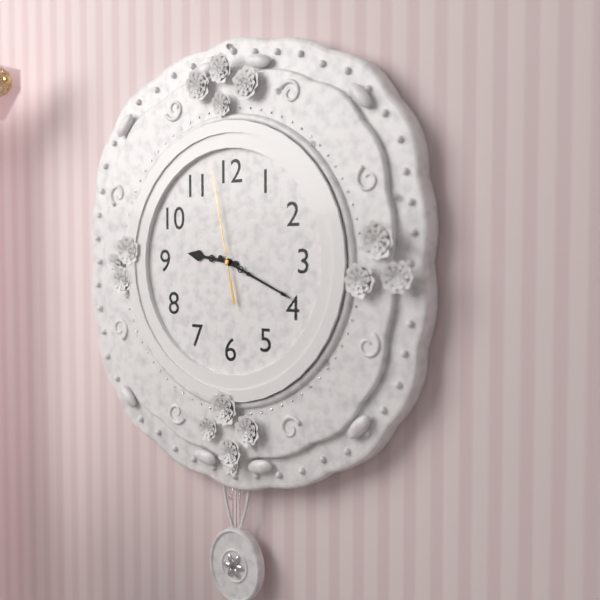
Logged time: 9,19,58
